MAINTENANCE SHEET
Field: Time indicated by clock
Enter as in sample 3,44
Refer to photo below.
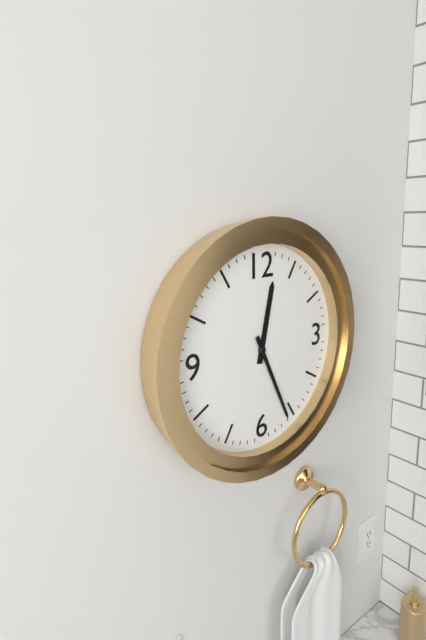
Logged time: 12,26
